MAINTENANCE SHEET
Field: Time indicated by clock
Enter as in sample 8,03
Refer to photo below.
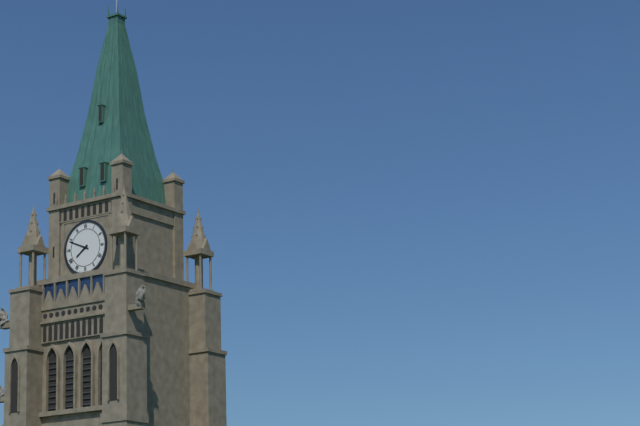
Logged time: 7,49
